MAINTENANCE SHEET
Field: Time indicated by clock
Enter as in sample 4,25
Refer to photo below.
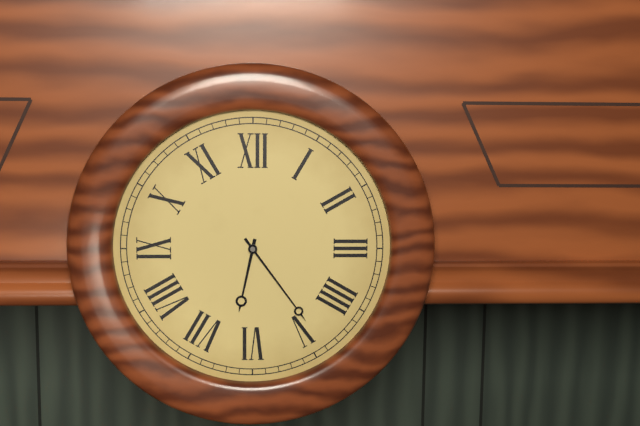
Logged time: 6,24
